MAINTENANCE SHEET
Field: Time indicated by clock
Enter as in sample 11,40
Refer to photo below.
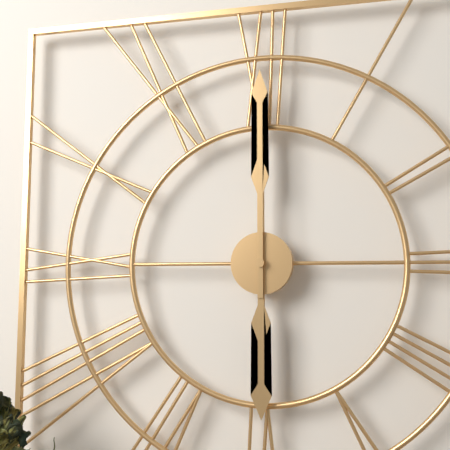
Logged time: 6,00
